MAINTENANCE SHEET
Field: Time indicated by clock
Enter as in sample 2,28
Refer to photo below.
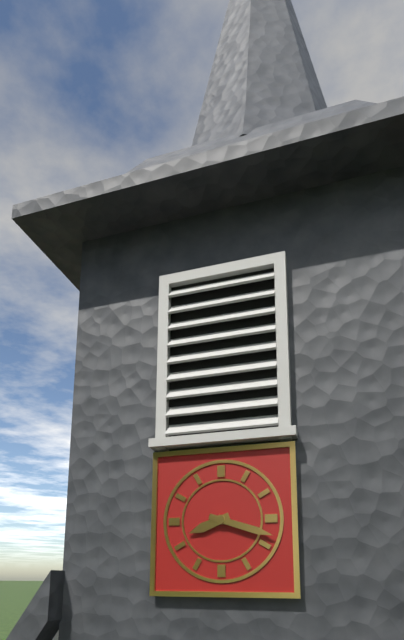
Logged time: 8,18
